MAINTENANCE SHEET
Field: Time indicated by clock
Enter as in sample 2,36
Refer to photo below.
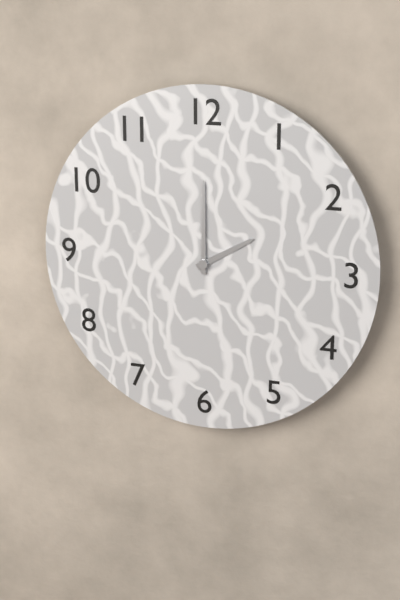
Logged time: 2,00
